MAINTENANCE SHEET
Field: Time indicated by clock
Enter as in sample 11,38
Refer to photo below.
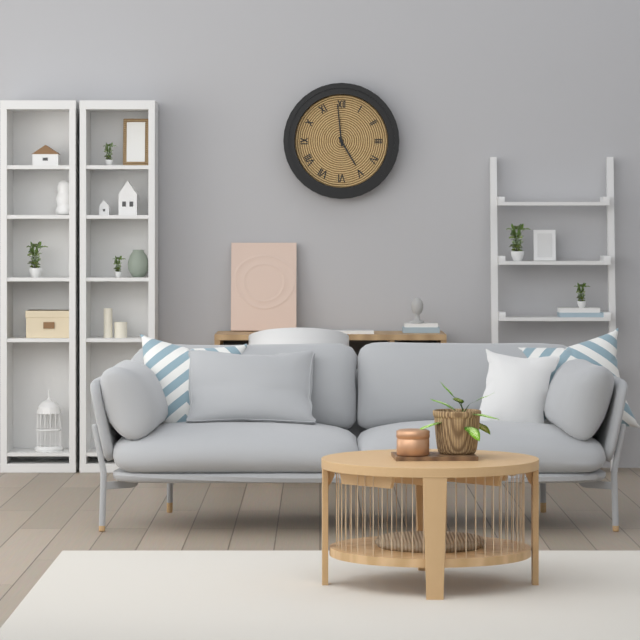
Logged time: 4,59
